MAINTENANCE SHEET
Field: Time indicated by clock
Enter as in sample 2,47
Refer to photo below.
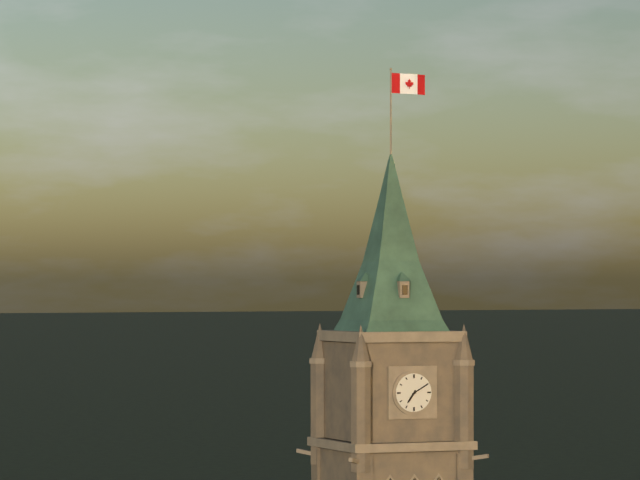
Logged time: 7,10
